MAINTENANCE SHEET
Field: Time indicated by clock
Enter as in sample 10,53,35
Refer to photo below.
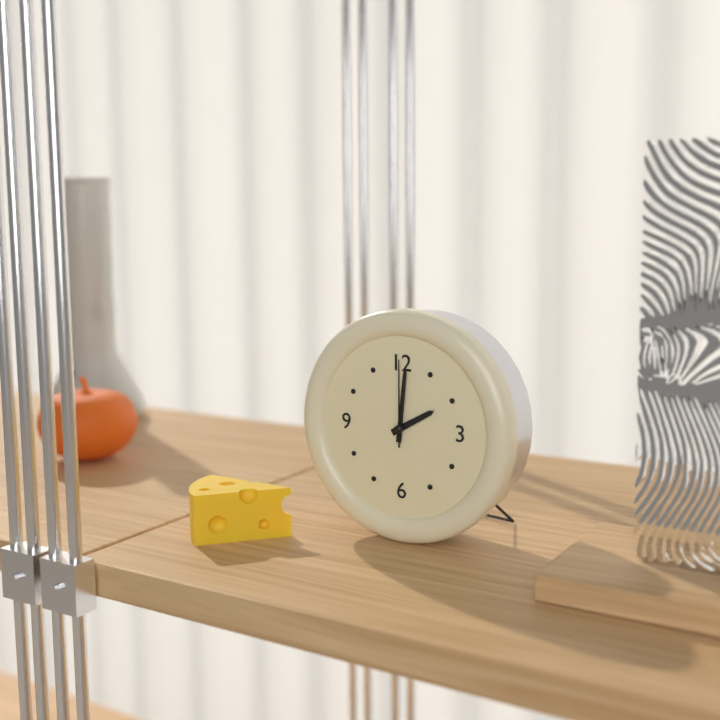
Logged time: 2,01,00
